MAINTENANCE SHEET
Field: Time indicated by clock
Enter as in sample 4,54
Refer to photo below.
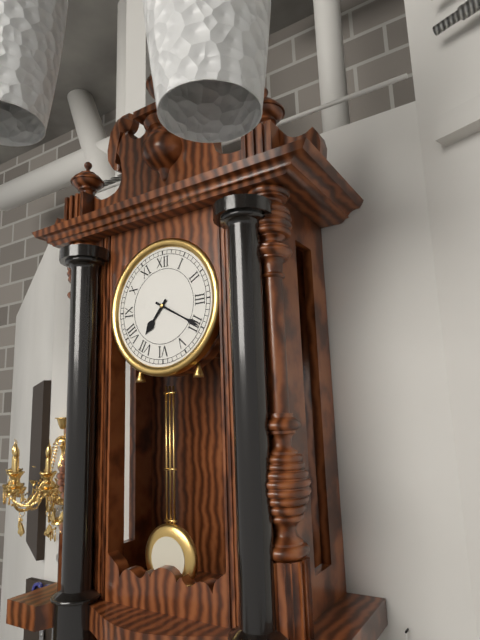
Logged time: 7,20
